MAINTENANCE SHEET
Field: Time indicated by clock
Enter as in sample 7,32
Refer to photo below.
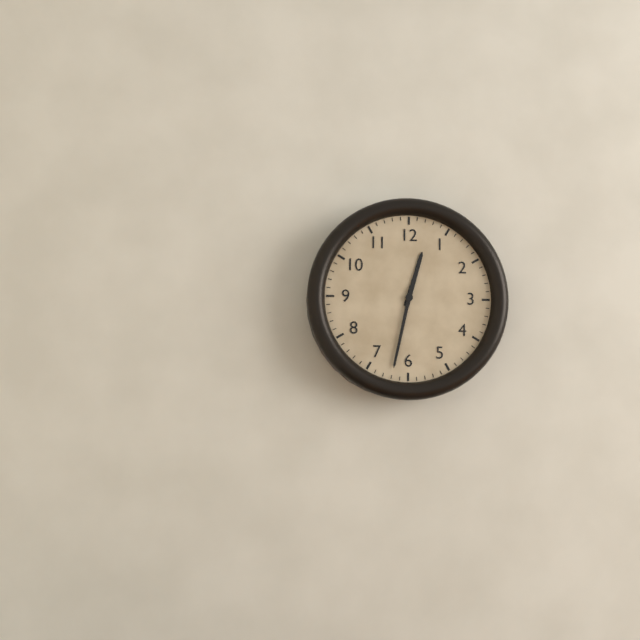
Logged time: 12,32
